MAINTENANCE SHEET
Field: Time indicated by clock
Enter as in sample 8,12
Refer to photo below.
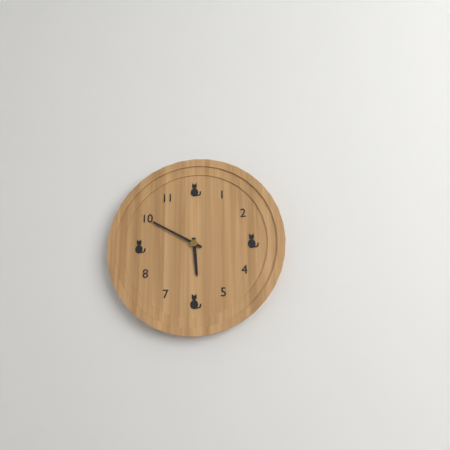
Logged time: 5,50
